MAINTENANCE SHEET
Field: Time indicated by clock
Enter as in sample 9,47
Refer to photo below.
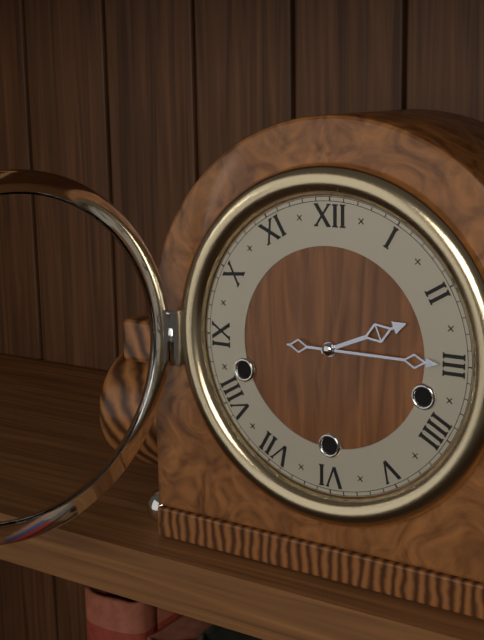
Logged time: 2,15
